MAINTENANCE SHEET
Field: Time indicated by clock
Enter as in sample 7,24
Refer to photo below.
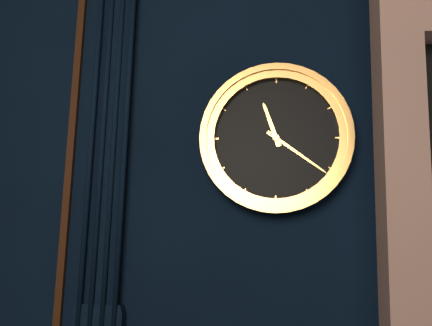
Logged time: 11,21
